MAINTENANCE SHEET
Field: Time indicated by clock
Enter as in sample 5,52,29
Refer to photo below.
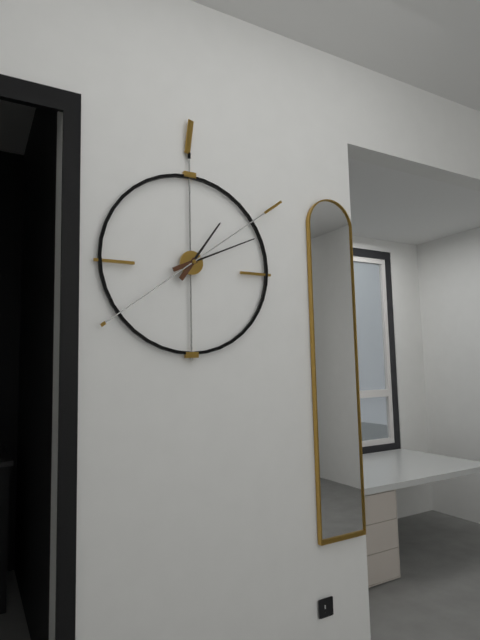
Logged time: 1,11,09
